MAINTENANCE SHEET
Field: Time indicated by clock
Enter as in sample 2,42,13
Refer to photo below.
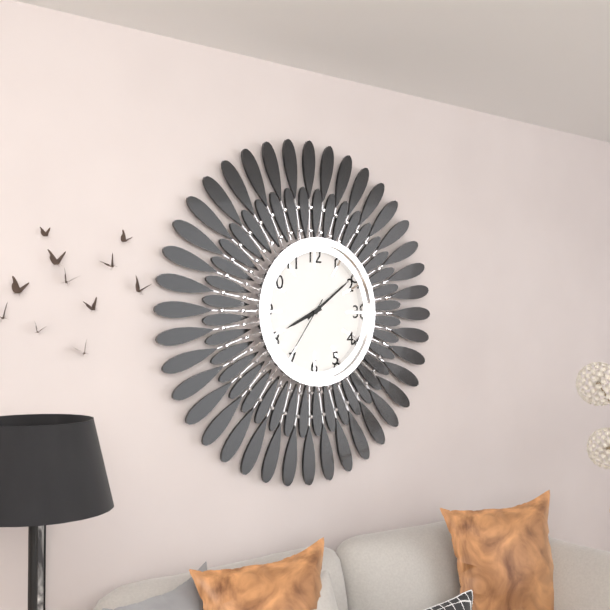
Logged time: 8,09,36
